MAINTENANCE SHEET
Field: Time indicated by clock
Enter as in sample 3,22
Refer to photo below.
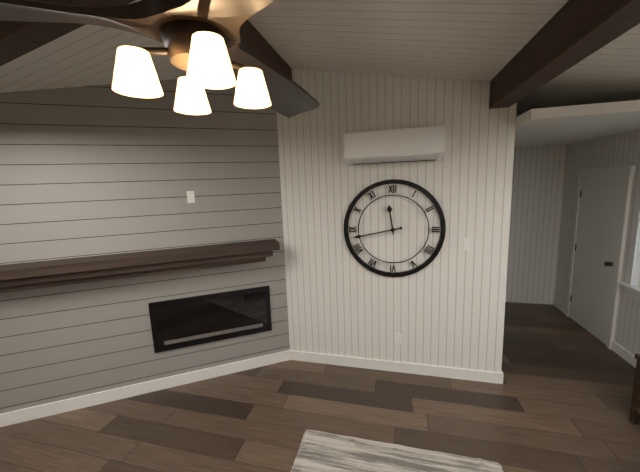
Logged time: 11,43
